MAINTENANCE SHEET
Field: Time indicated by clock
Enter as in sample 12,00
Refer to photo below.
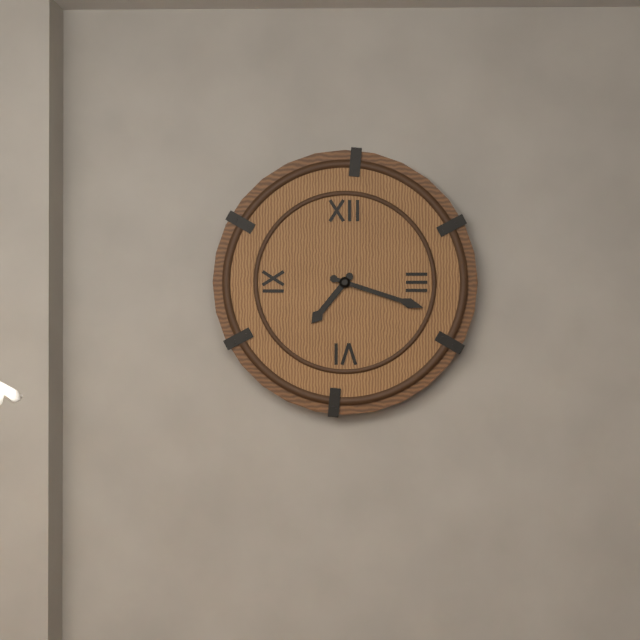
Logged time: 7,18
